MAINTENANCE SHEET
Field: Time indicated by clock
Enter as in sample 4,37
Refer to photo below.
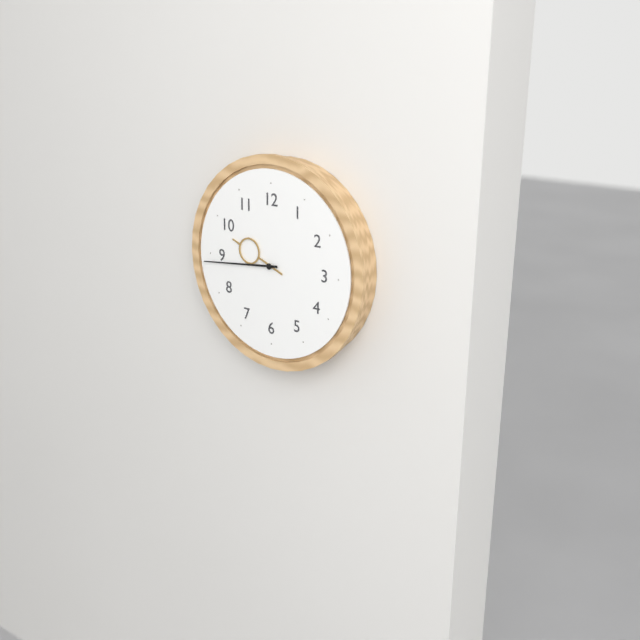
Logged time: 9,44
